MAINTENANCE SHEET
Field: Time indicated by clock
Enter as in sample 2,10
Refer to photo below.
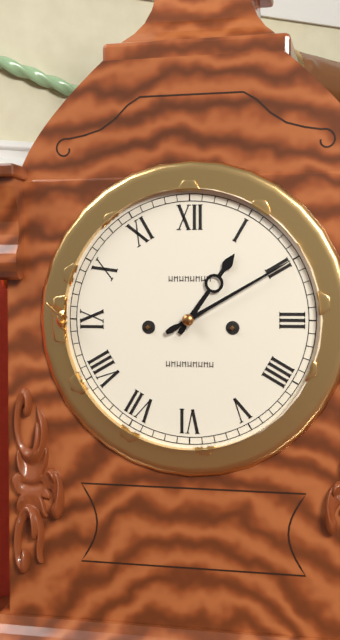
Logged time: 1,10
